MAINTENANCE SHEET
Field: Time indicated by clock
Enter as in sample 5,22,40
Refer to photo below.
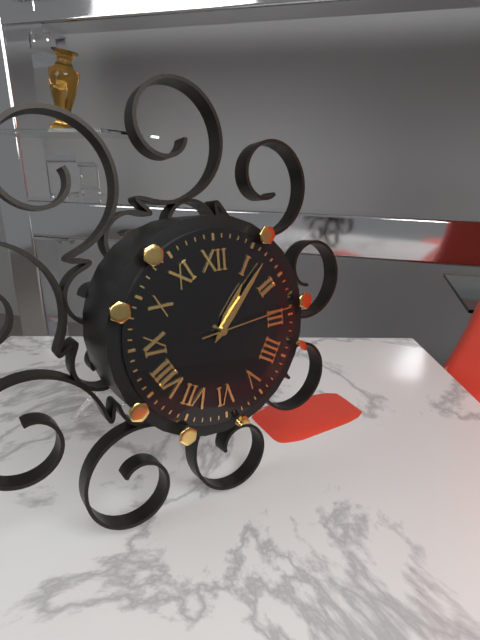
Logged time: 1,07,14
